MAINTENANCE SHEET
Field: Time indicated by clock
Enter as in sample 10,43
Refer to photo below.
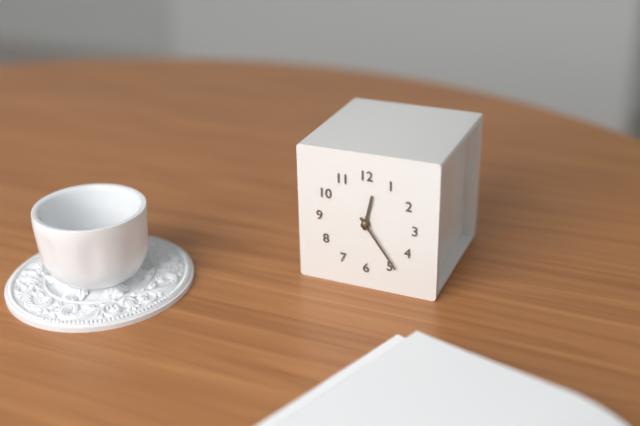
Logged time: 12,24
